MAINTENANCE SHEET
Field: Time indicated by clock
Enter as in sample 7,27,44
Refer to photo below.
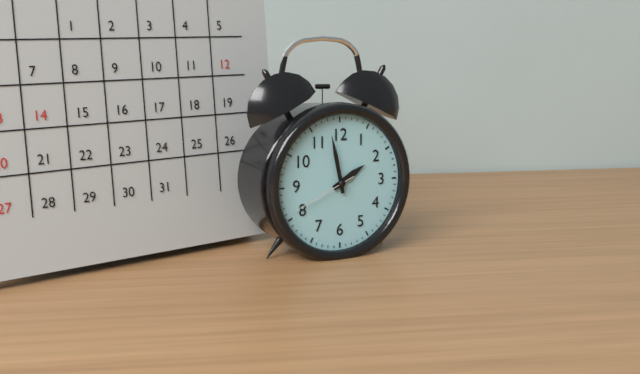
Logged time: 1,58,41
